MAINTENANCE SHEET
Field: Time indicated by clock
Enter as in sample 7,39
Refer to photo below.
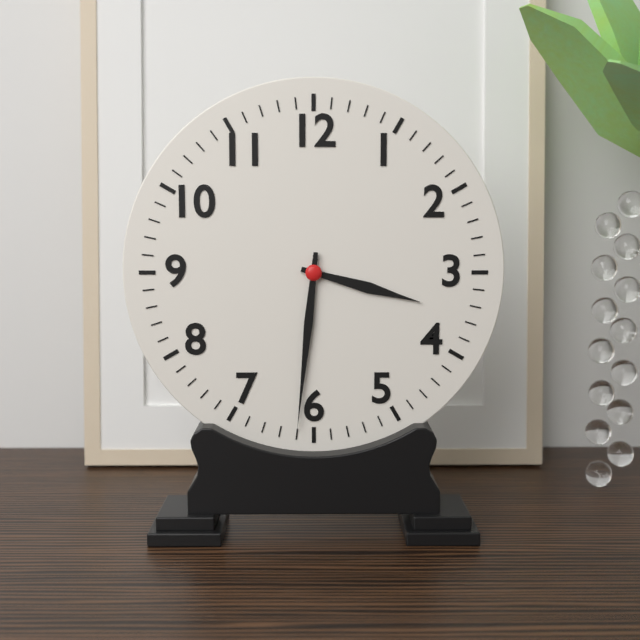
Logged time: 3,31
